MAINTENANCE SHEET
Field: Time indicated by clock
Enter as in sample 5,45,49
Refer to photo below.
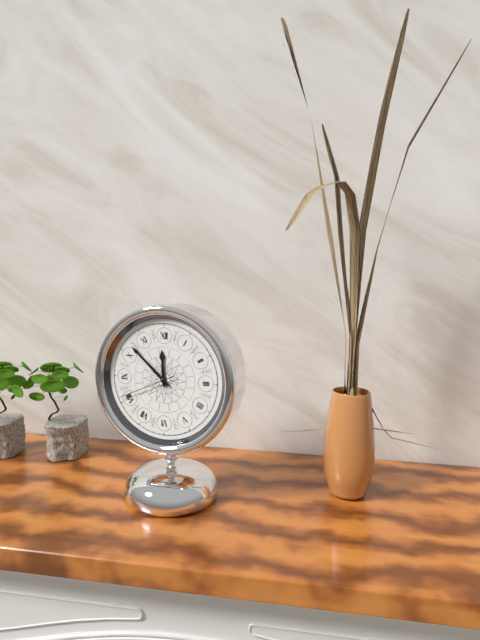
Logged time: 11,52,41
